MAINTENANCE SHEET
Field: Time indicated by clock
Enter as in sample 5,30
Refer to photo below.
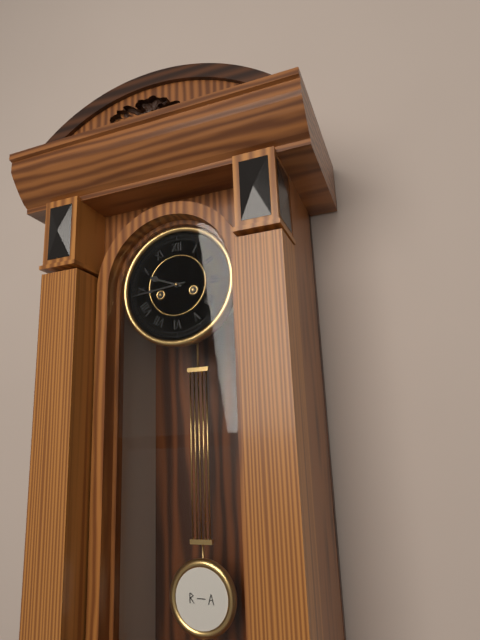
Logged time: 9,44
